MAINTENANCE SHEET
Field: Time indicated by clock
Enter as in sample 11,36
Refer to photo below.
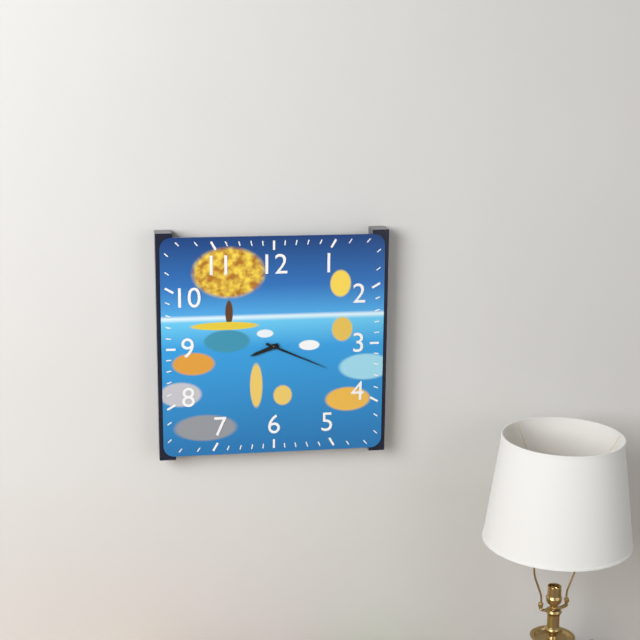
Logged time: 8,19
